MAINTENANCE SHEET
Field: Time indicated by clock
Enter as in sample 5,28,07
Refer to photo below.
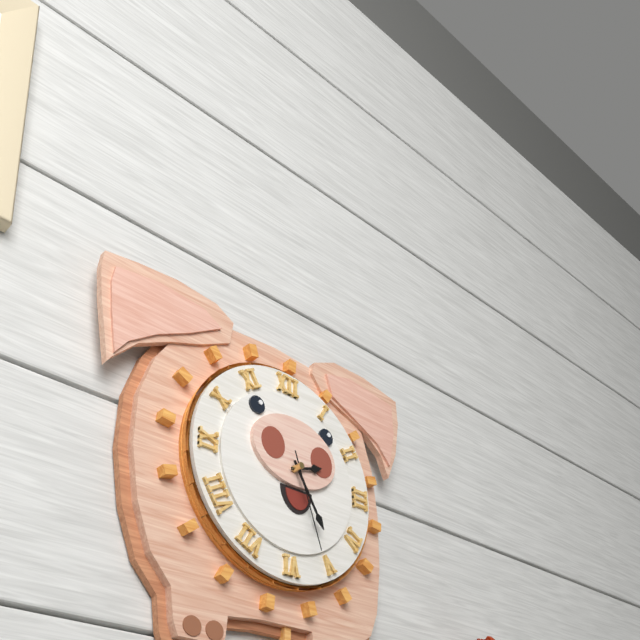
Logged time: 2,25,27
